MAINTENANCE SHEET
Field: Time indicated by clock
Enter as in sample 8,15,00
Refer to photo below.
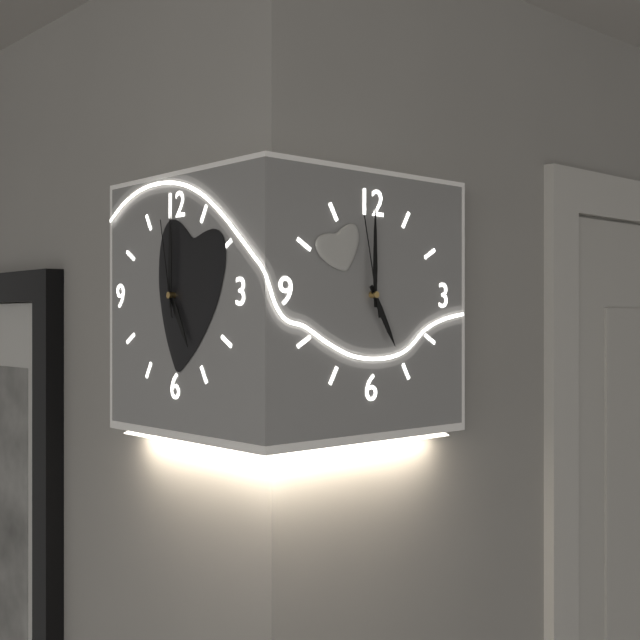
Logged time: 5,00,58
